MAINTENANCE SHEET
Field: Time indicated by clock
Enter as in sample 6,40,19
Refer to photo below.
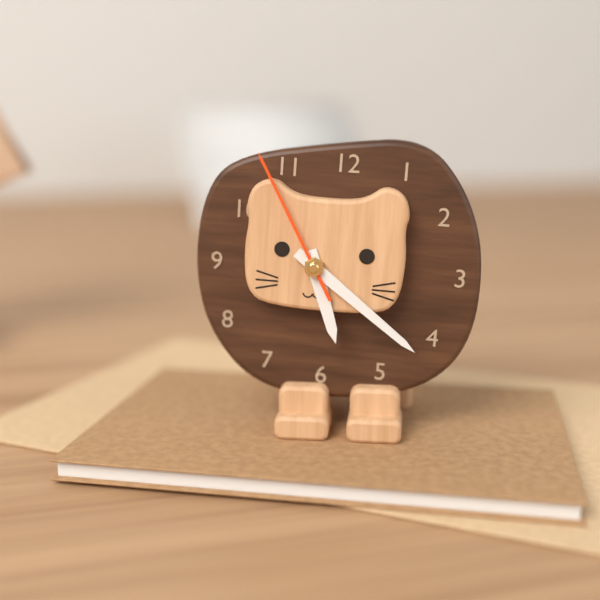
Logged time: 5,21,55
